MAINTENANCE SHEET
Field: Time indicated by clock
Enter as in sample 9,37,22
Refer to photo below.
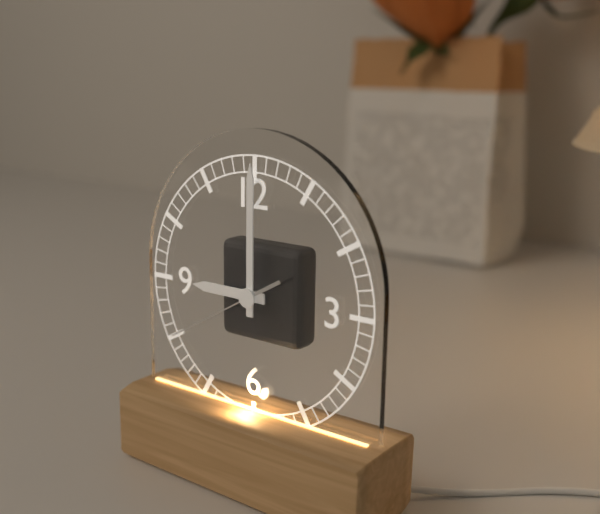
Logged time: 9,00,40
